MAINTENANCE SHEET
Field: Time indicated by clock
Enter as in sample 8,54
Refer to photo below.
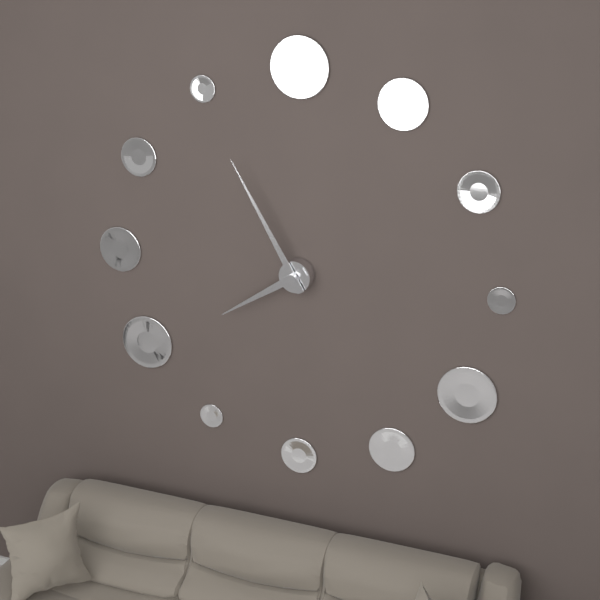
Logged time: 7,55
